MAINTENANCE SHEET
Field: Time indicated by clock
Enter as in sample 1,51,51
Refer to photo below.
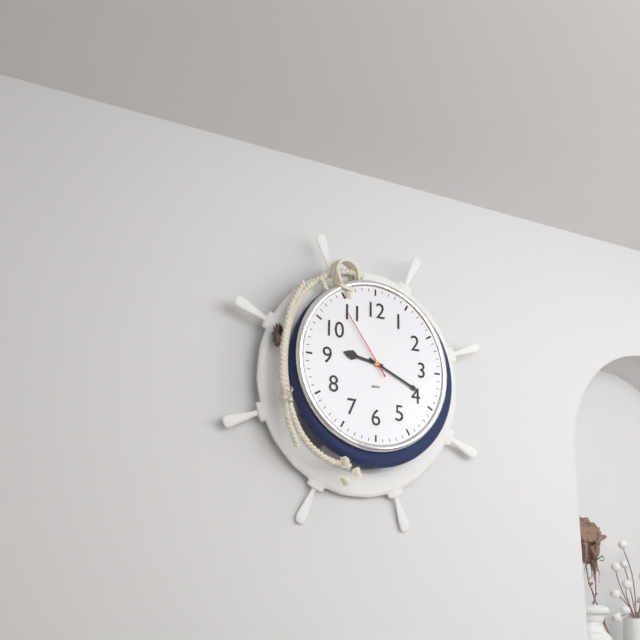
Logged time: 9,19,54
